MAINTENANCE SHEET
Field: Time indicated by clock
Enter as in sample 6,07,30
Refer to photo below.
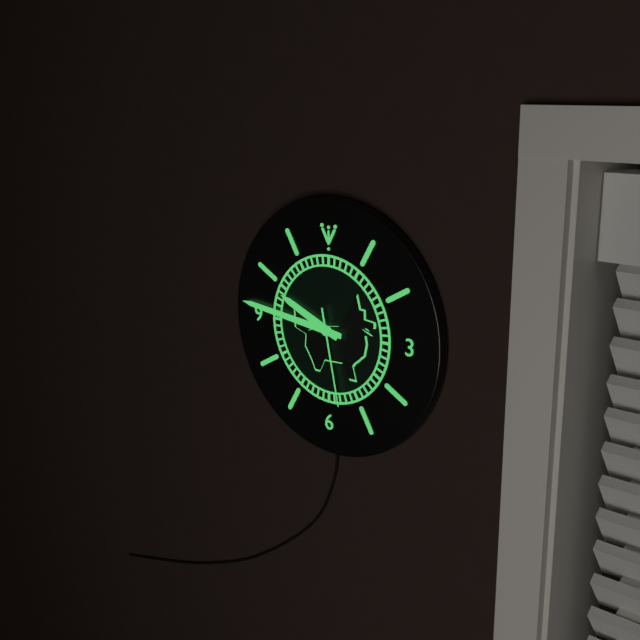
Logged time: 9,46,28
